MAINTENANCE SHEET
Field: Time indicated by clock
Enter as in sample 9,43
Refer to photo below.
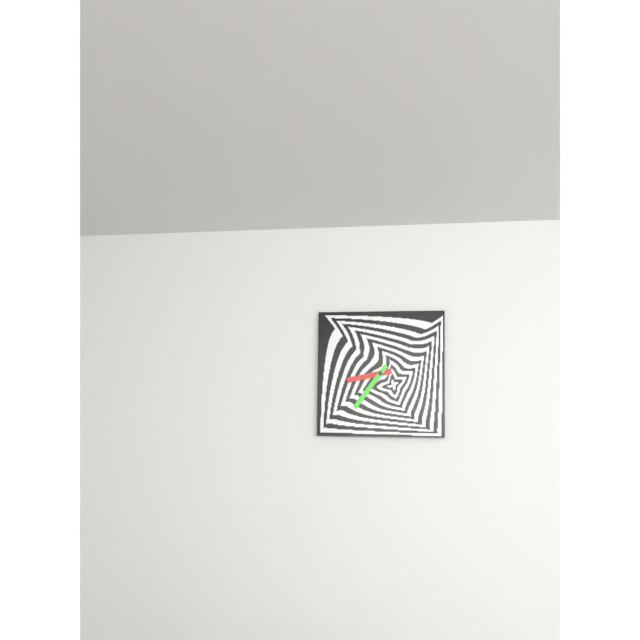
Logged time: 8,36
